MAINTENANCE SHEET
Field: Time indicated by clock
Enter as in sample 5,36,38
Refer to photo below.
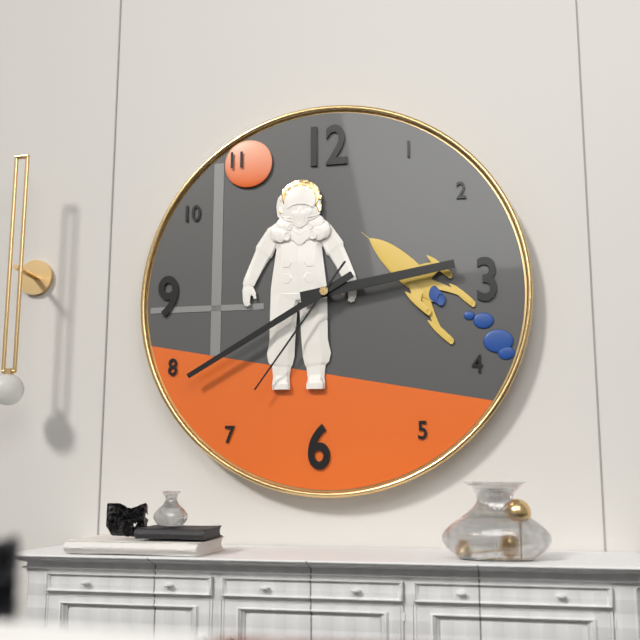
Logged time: 2,40,36
